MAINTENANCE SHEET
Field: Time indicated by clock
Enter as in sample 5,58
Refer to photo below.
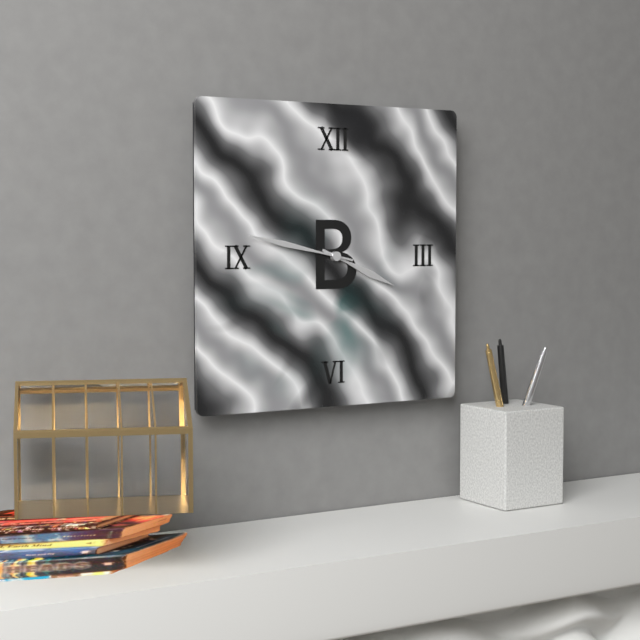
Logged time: 3,47
